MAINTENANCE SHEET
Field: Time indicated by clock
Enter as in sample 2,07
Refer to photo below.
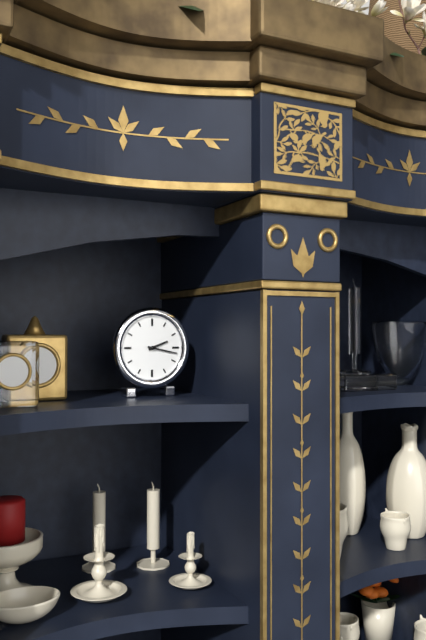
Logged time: 2,17
